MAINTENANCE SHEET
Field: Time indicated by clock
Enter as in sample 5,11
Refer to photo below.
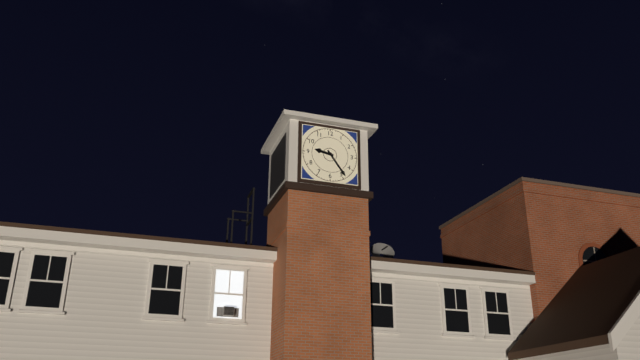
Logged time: 9,24
